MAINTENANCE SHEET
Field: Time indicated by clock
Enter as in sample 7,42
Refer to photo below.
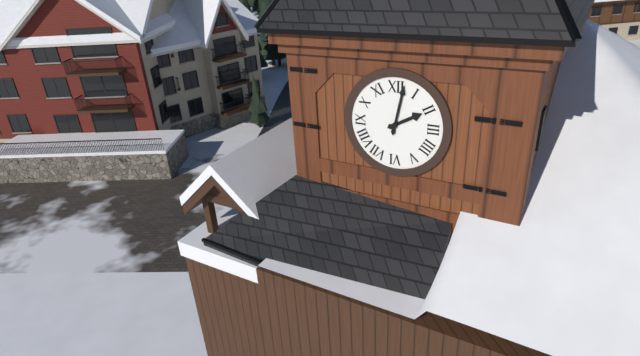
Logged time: 2,02
